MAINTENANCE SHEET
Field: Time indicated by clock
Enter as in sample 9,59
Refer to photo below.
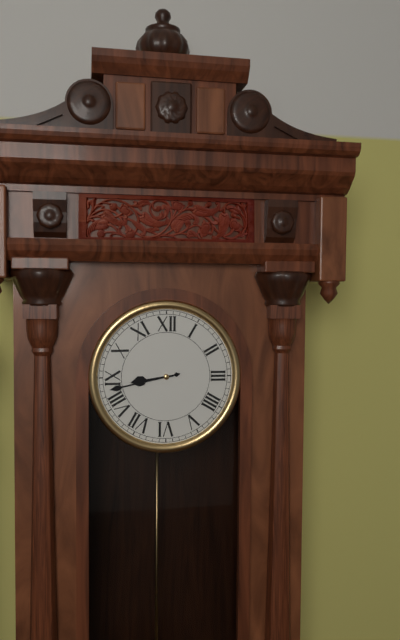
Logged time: 8,43
